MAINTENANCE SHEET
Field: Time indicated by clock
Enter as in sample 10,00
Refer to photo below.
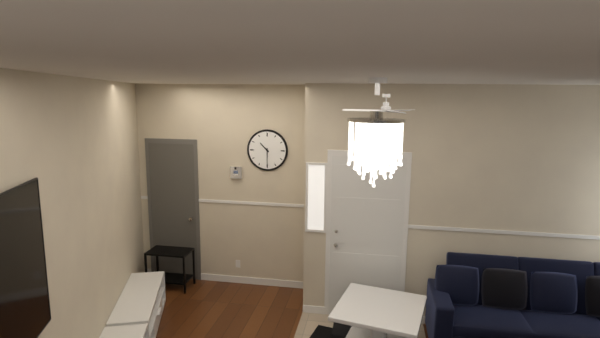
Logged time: 10,30
